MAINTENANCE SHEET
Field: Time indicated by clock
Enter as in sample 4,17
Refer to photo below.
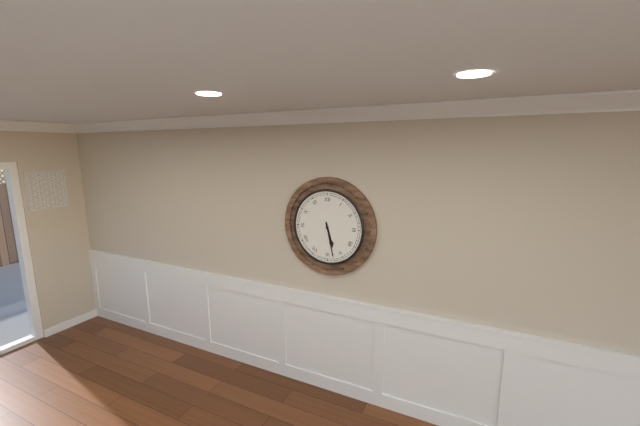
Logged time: 5,28
